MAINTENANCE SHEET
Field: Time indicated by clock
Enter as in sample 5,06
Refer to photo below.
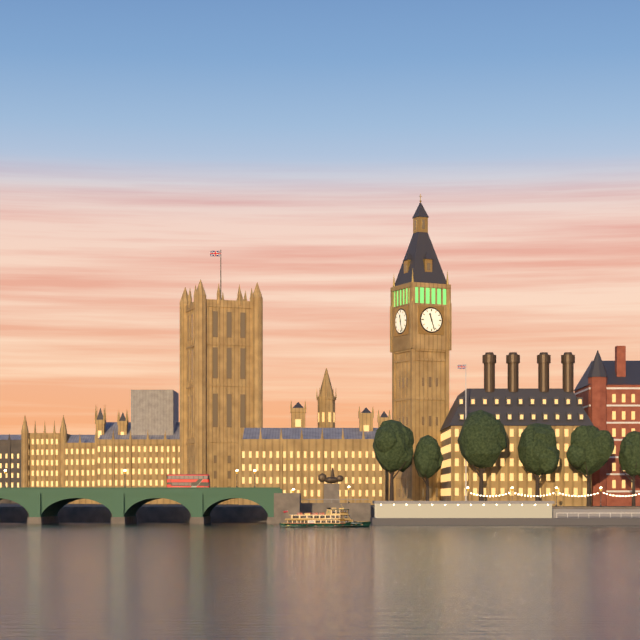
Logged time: 11,27
